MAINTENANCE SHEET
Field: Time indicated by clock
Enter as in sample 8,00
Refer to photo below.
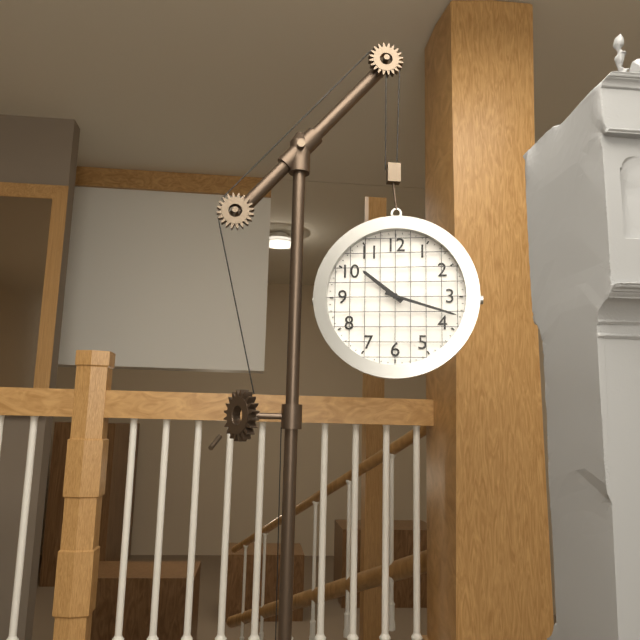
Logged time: 10,18
